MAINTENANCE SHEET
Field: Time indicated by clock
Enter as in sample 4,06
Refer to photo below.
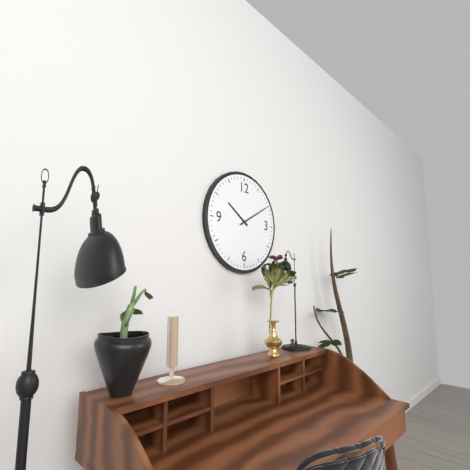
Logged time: 10,10
